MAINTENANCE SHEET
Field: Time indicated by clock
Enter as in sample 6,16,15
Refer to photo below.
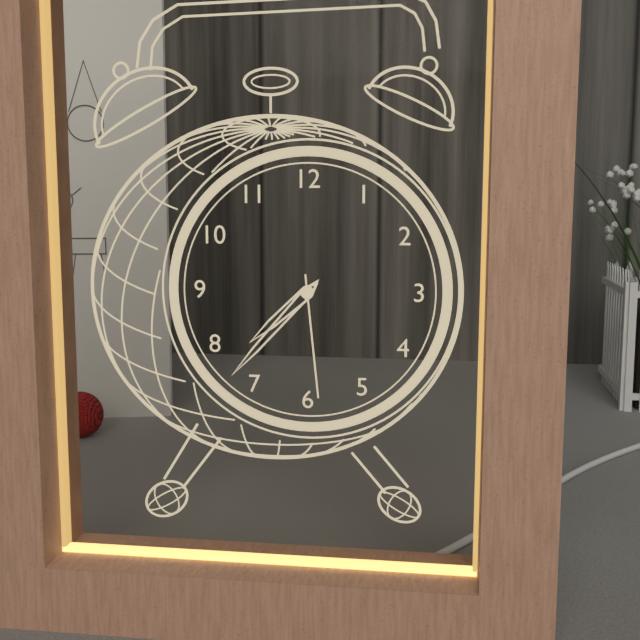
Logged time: 7,37,29
